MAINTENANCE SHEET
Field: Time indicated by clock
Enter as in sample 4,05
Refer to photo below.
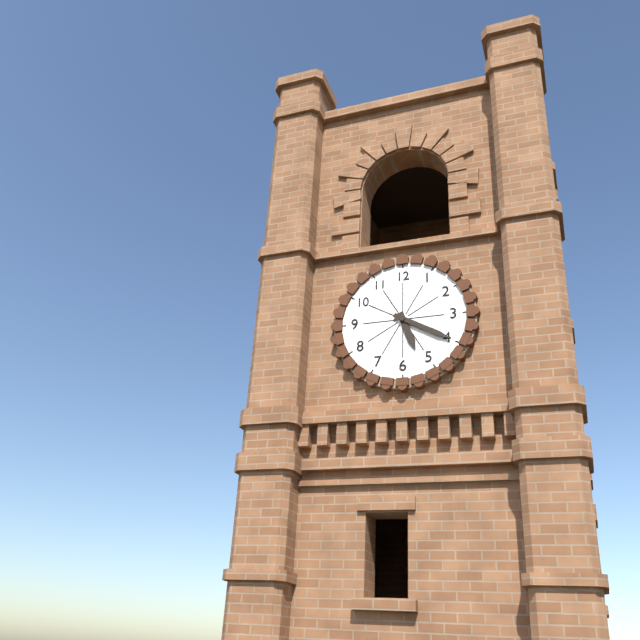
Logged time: 5,20
